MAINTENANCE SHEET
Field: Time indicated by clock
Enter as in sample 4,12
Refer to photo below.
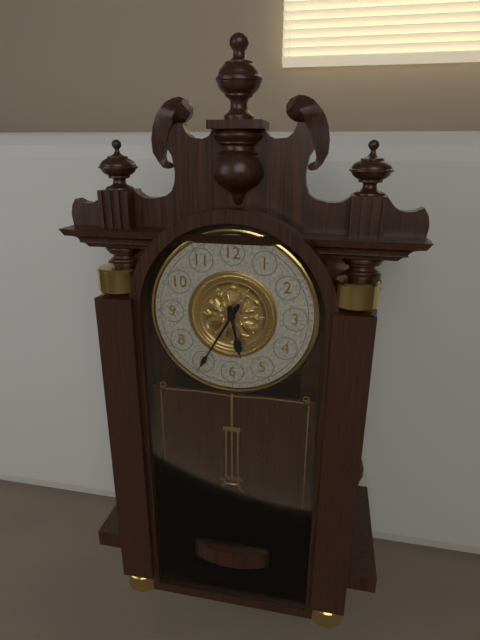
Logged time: 5,35
